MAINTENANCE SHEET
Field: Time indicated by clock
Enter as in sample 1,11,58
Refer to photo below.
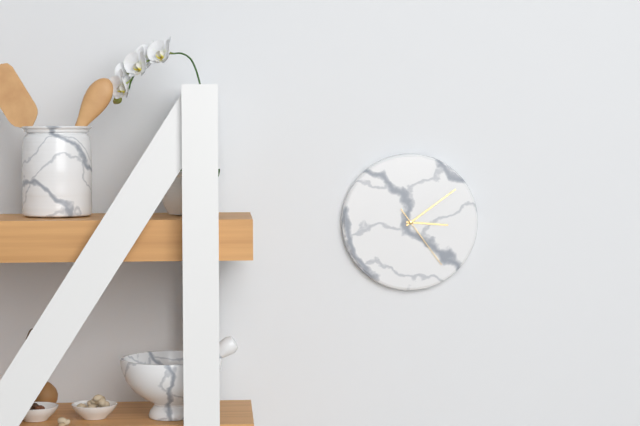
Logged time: 3,09,24
